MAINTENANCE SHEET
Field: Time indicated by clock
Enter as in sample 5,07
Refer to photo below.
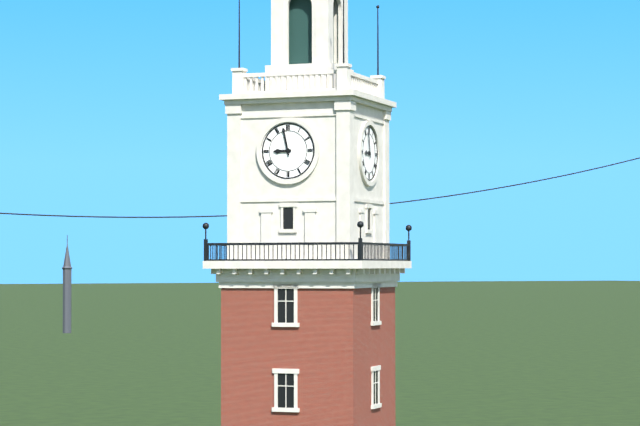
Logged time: 8,58
